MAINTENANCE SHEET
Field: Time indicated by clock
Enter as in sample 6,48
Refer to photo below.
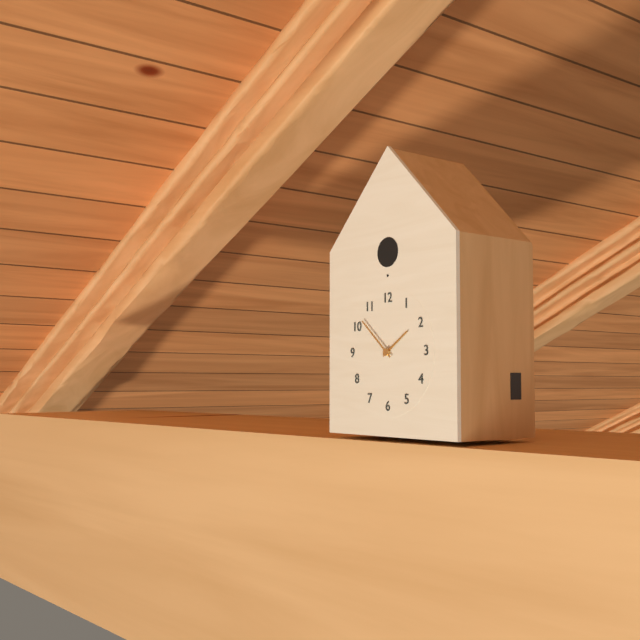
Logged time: 1,52
